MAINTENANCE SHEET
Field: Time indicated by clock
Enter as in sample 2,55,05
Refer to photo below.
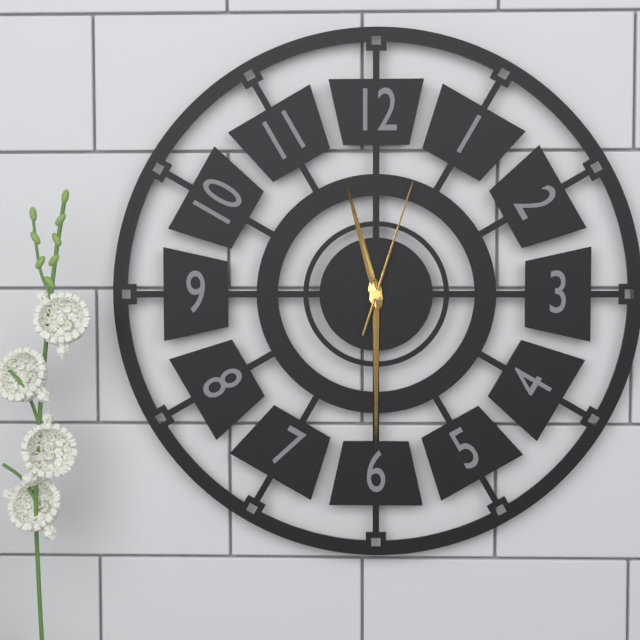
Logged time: 11,30,03
